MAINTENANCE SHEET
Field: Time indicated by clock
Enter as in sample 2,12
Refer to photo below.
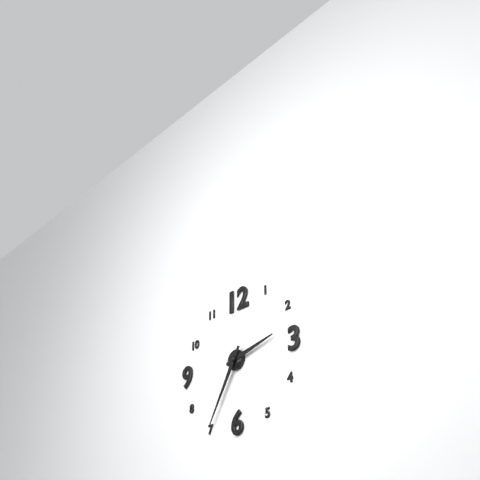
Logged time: 2,35
